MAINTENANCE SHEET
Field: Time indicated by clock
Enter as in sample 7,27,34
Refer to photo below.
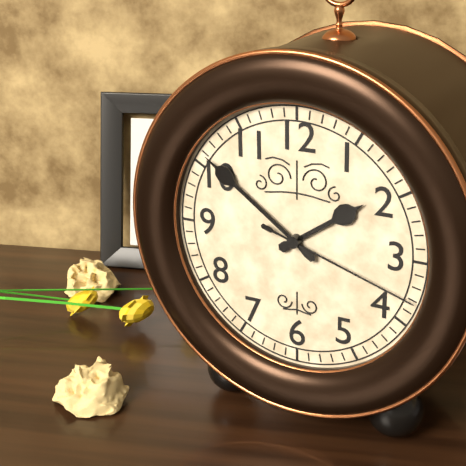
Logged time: 1,51,18
